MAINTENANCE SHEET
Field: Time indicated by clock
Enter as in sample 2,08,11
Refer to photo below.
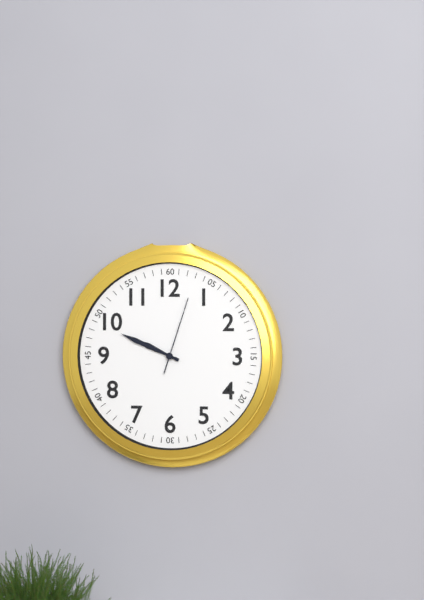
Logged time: 9,49,03
